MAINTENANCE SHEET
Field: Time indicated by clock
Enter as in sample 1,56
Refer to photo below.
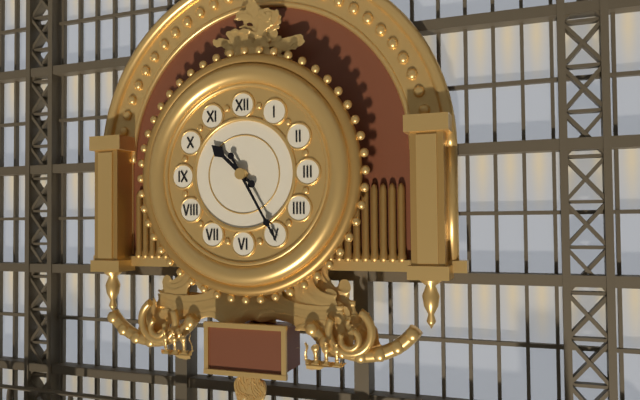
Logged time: 10,25
